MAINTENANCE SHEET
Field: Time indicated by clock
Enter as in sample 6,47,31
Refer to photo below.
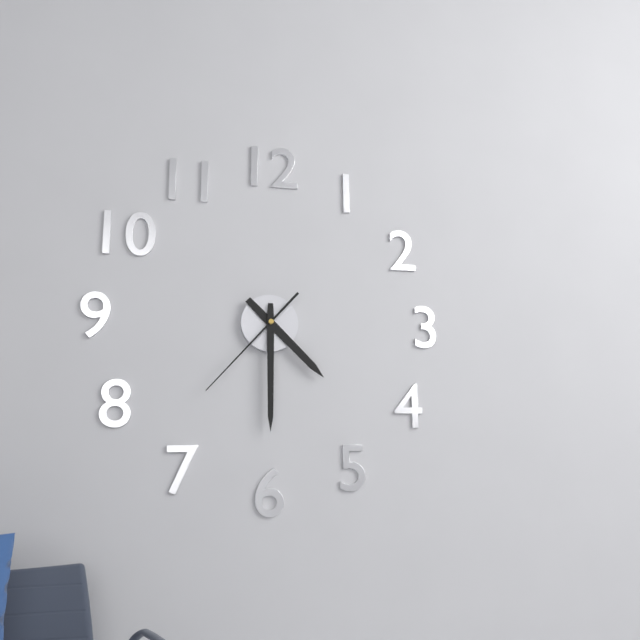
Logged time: 4,30,37
